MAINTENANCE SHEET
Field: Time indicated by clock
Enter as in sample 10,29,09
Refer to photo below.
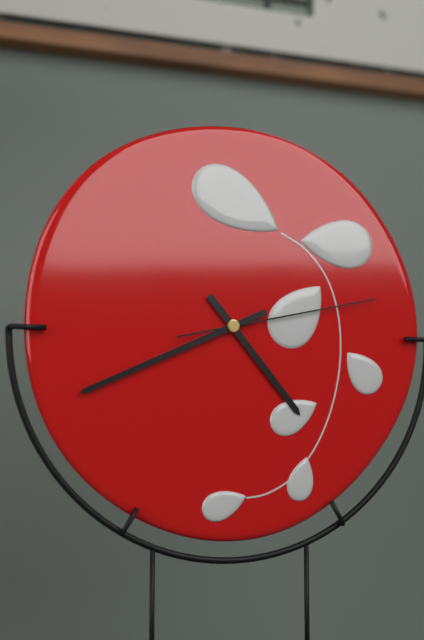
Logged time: 4,41,13
